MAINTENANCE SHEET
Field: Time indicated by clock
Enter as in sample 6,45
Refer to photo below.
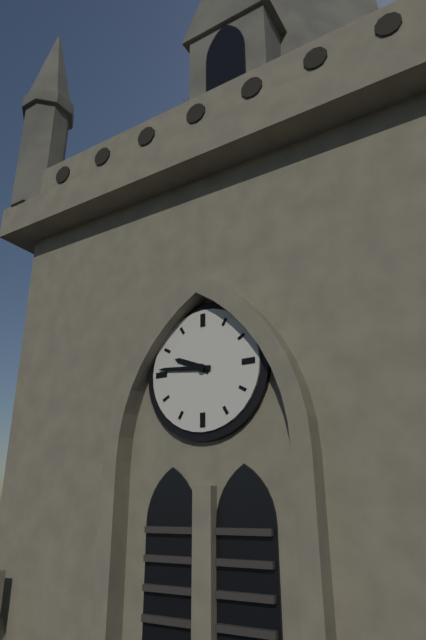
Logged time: 9,46
